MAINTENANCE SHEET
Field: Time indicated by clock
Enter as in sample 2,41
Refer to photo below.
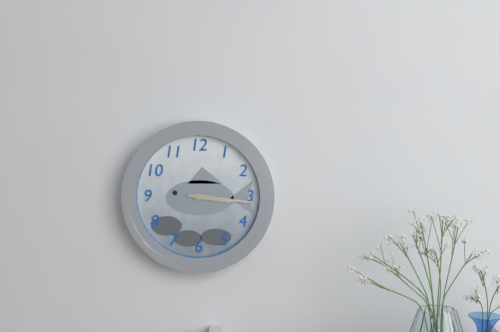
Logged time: 3,16
